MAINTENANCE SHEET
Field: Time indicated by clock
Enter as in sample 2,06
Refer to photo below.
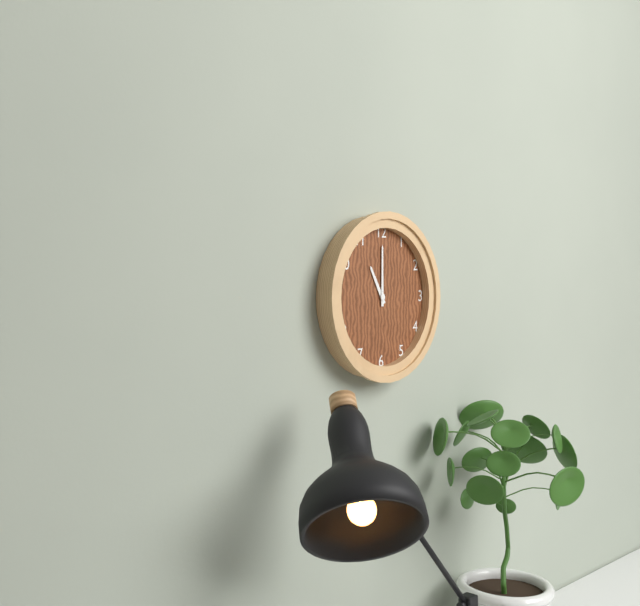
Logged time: 11,00
